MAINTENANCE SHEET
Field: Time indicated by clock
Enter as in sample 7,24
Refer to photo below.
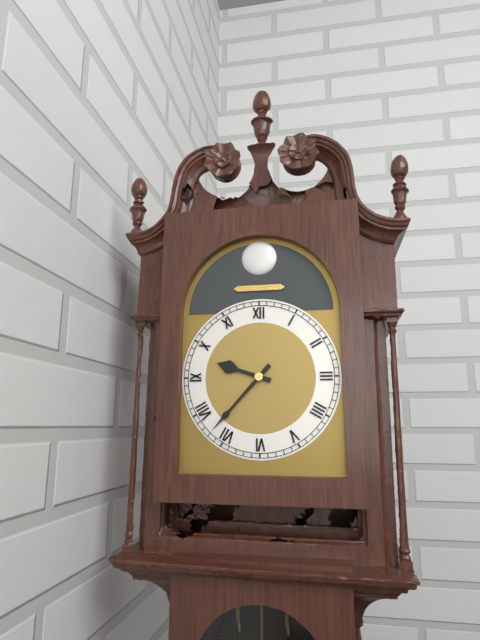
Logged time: 9,37
